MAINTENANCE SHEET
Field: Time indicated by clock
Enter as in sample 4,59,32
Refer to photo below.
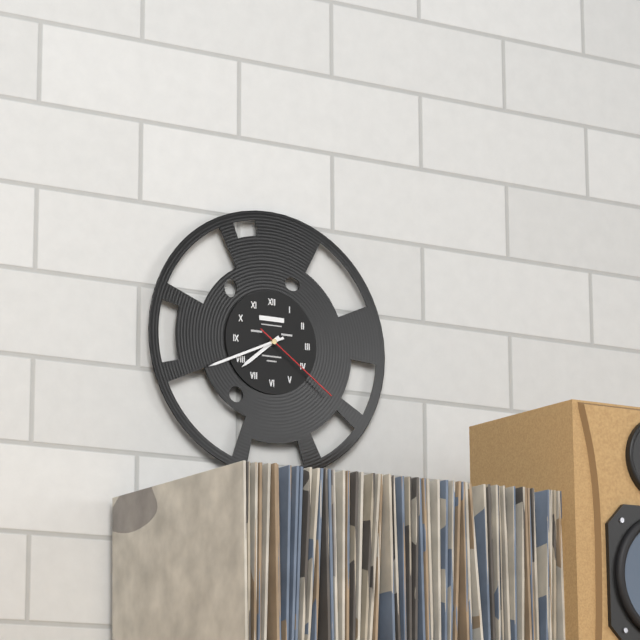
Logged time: 7,41,21
